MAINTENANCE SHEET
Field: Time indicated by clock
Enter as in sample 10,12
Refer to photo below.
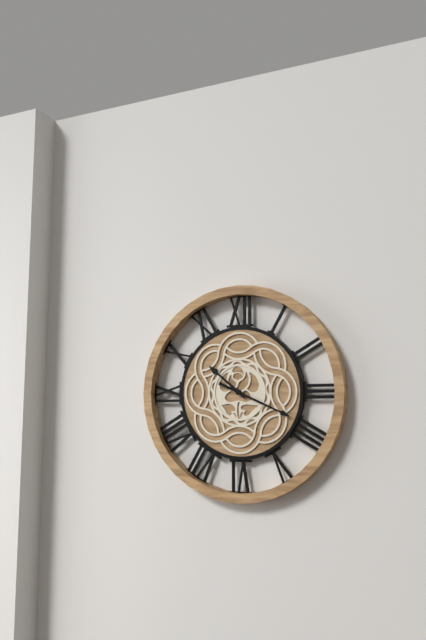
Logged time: 10,19
